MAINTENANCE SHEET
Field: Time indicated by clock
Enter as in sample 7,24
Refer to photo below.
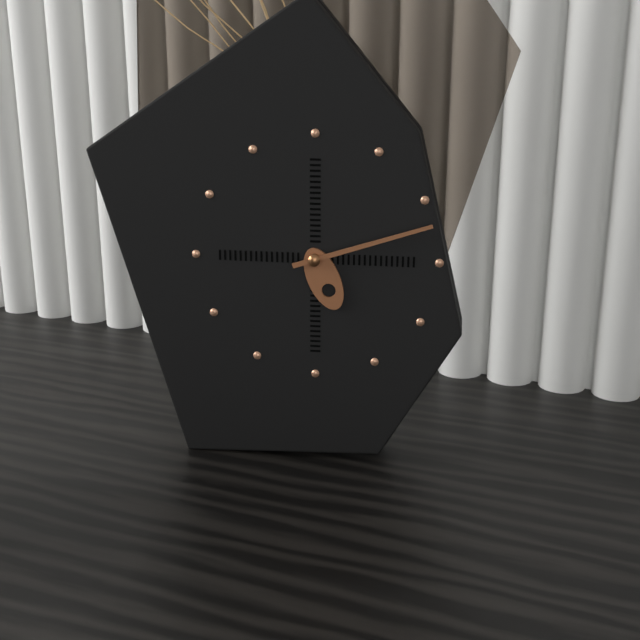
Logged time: 5,12
